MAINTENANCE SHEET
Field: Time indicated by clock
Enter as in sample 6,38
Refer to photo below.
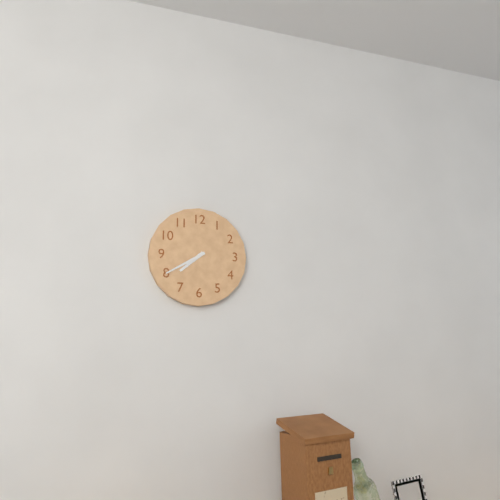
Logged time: 7,40
